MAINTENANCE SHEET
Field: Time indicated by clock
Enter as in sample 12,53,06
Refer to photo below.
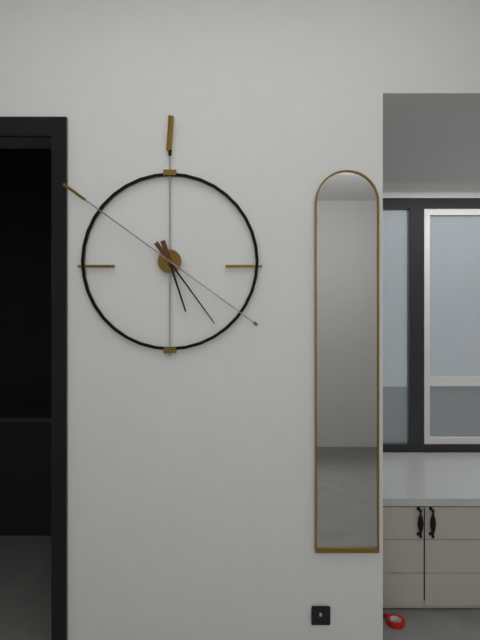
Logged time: 5,24,51
